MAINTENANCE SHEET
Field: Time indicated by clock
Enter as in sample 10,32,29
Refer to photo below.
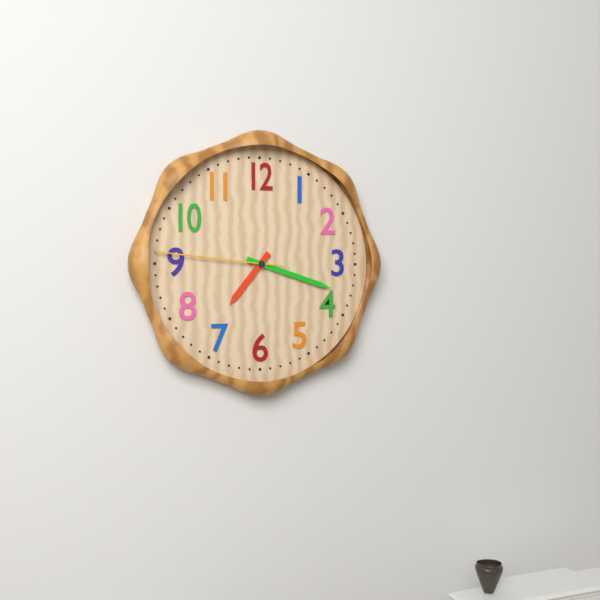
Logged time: 7,18,46
